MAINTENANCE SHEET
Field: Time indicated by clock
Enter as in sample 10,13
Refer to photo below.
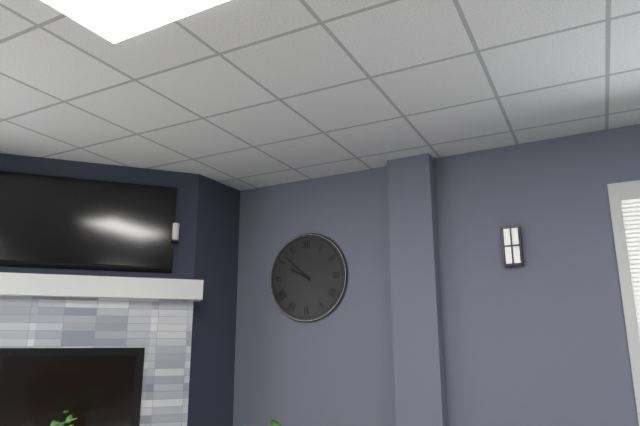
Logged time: 9,52
